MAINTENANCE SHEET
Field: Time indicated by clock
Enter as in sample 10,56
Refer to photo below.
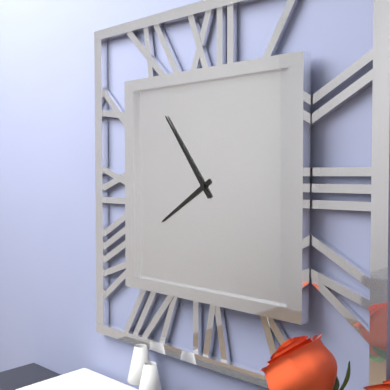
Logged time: 7,54
